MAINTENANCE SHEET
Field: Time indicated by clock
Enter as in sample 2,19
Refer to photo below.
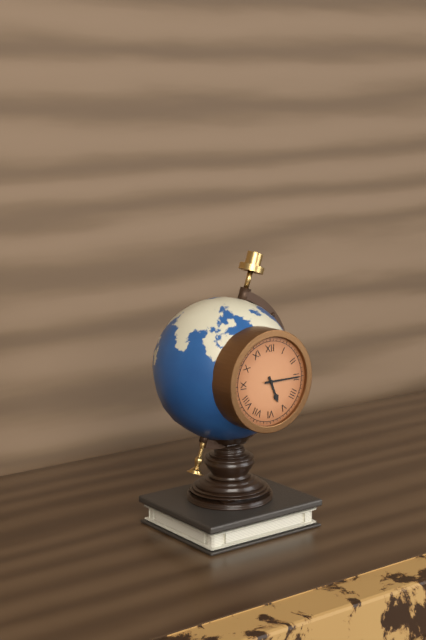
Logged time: 5,15
